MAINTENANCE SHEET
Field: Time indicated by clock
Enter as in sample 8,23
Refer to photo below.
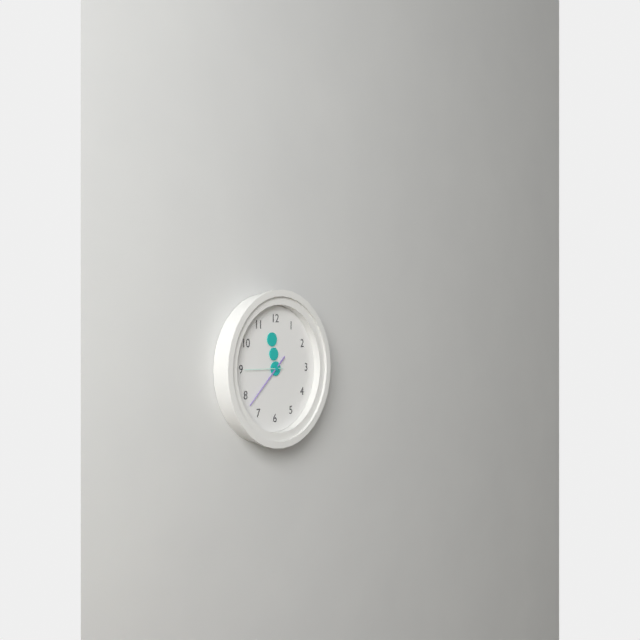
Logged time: 11,38
